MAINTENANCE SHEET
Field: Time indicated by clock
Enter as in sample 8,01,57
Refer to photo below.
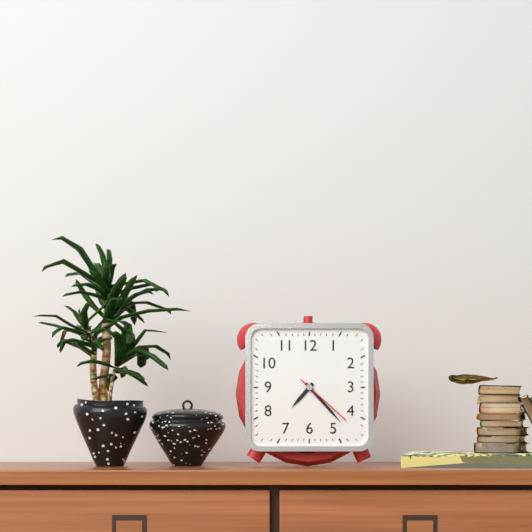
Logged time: 7,23,22
